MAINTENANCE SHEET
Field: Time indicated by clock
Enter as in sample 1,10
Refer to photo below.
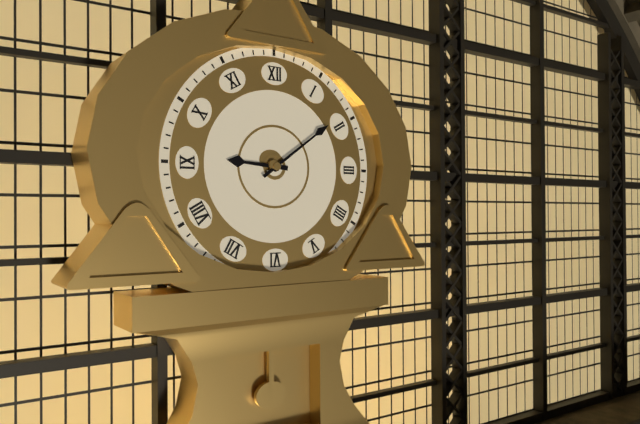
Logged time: 9,09
